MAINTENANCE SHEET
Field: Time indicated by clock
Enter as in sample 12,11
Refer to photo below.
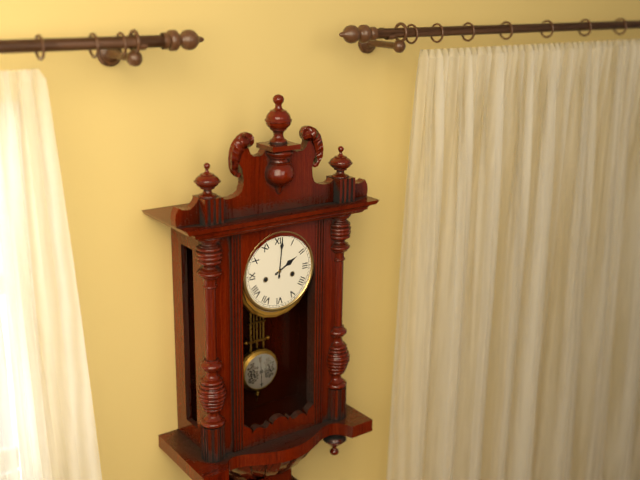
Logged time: 2,01
